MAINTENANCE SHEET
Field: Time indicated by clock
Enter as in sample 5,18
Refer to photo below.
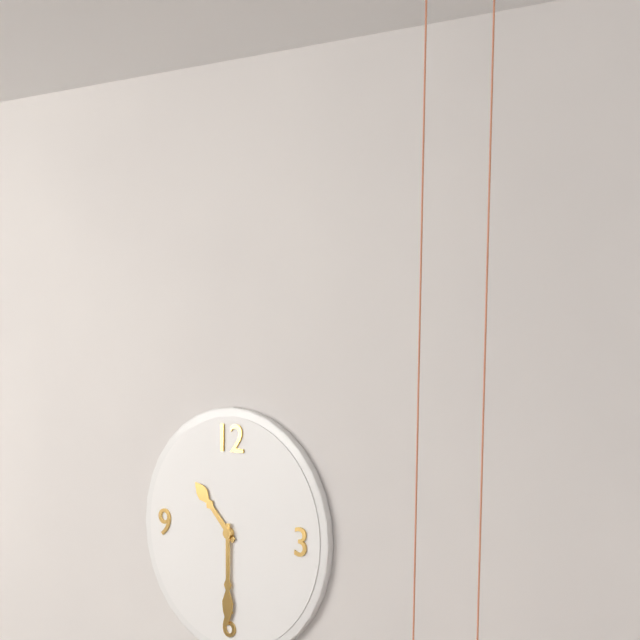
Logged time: 10,30
